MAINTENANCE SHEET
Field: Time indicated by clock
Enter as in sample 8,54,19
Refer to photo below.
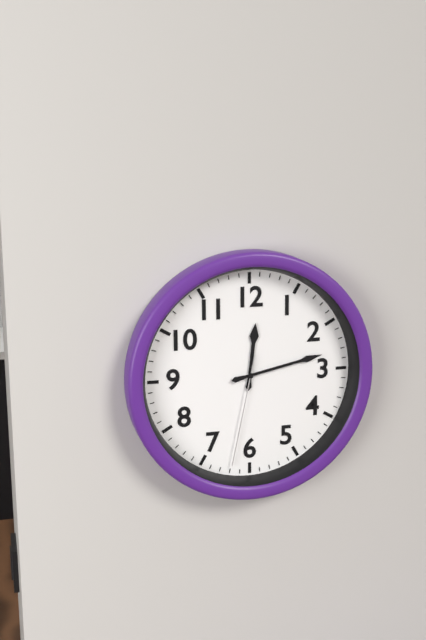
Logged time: 12,13,32
